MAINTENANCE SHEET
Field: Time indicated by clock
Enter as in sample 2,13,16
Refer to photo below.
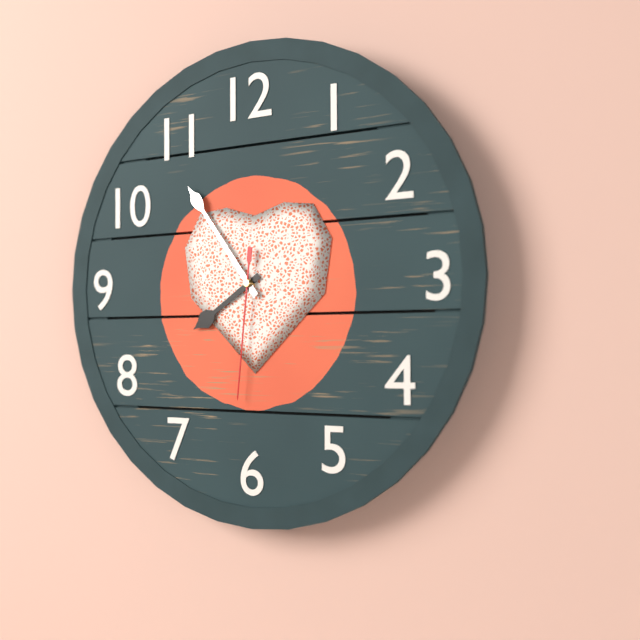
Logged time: 7,54,31
